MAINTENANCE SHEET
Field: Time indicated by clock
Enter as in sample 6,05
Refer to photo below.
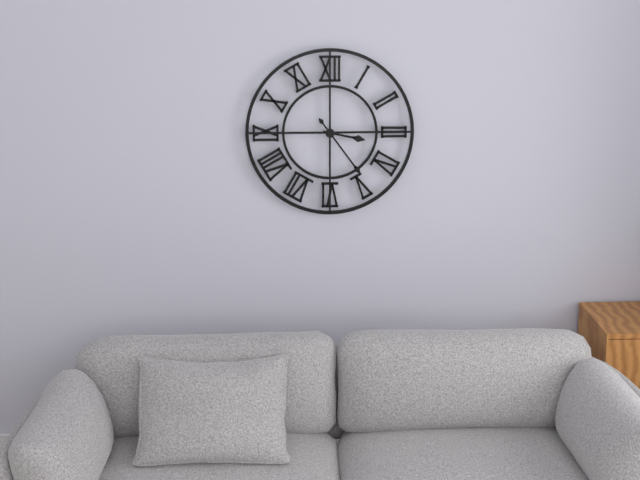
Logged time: 3,24
